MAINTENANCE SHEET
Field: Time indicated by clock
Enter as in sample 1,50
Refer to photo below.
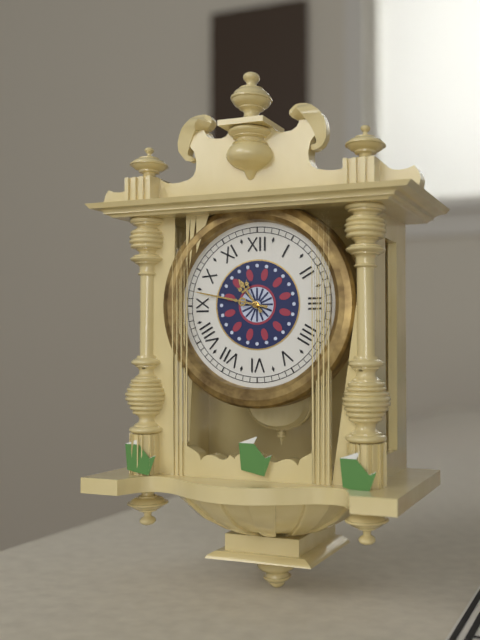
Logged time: 10,47
